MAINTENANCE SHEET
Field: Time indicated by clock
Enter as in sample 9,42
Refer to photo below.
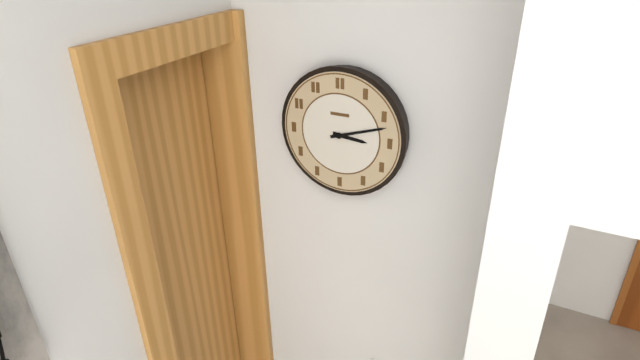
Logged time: 3,12
